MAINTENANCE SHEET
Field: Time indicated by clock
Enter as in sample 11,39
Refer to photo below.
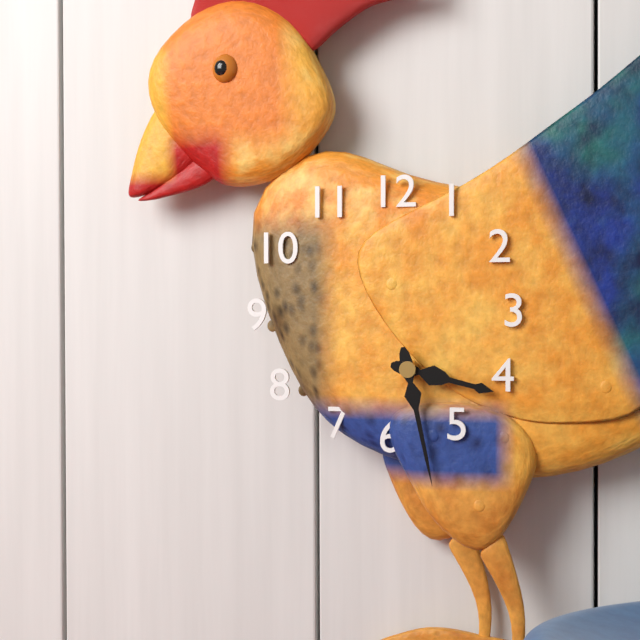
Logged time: 3,28
